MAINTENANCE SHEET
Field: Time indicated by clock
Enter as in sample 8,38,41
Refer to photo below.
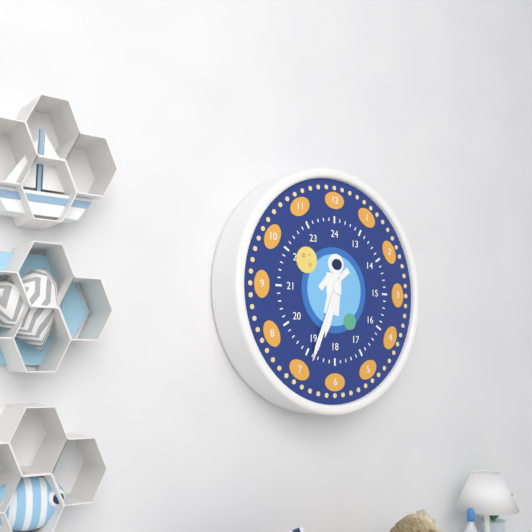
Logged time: 6,34,34
